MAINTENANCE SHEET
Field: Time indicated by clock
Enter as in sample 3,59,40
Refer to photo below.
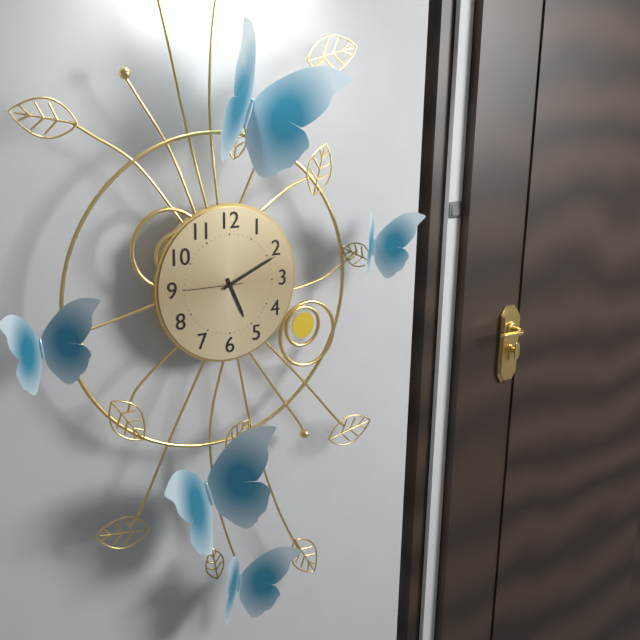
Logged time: 5,11,45
